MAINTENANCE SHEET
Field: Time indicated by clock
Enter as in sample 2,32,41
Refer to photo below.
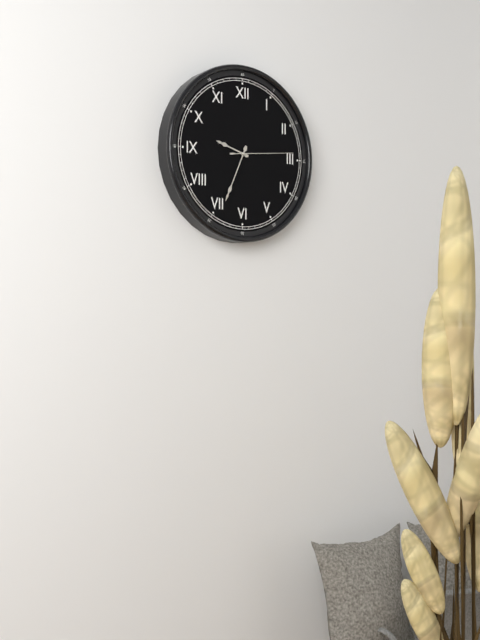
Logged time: 9,34,14
